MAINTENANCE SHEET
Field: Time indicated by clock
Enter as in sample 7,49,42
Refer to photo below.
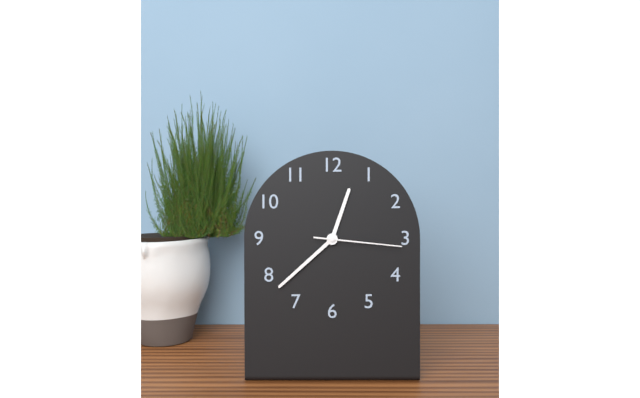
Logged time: 12,38,16
